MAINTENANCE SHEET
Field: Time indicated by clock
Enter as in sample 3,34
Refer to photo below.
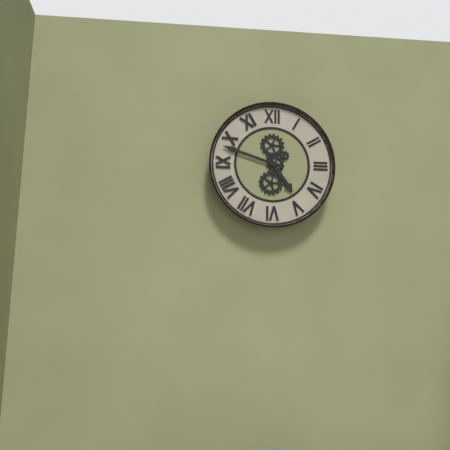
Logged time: 4,48
